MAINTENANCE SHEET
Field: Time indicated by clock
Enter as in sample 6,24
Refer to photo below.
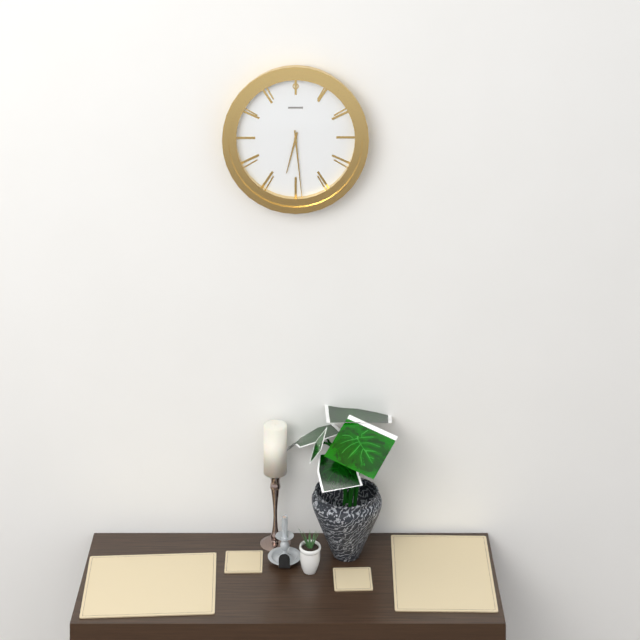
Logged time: 6,29
